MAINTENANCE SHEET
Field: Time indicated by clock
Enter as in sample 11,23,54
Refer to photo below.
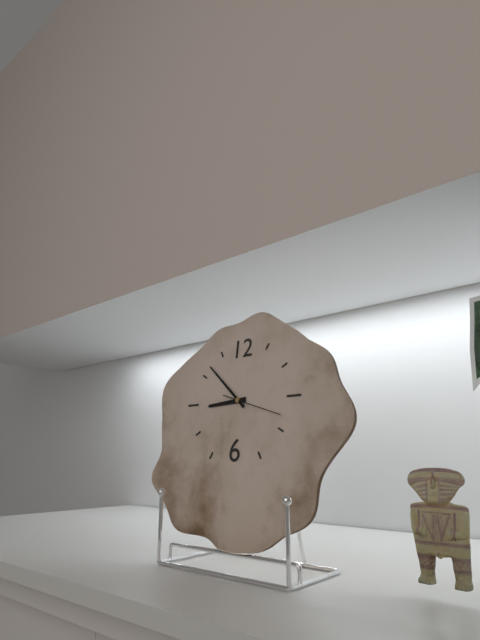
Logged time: 8,52,18
